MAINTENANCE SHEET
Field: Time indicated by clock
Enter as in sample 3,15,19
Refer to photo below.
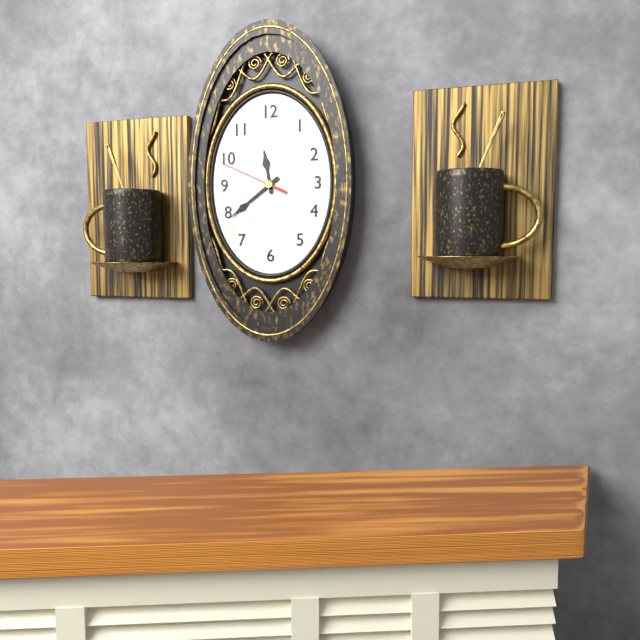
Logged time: 11,39,49
